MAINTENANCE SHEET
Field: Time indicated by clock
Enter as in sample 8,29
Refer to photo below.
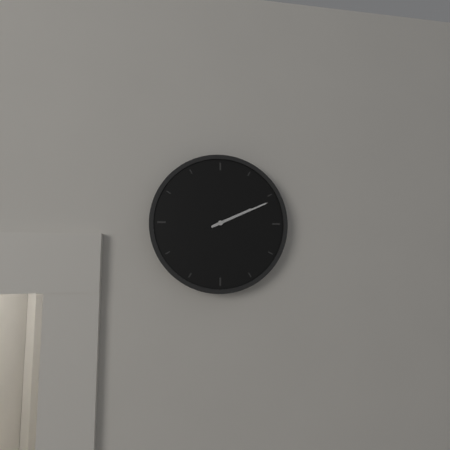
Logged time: 2,11
